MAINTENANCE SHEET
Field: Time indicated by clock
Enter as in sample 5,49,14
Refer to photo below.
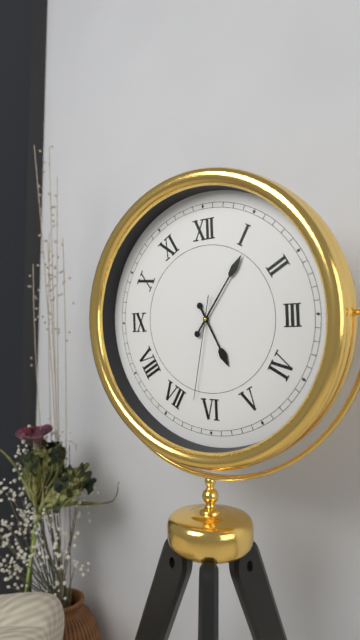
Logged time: 5,06,32
